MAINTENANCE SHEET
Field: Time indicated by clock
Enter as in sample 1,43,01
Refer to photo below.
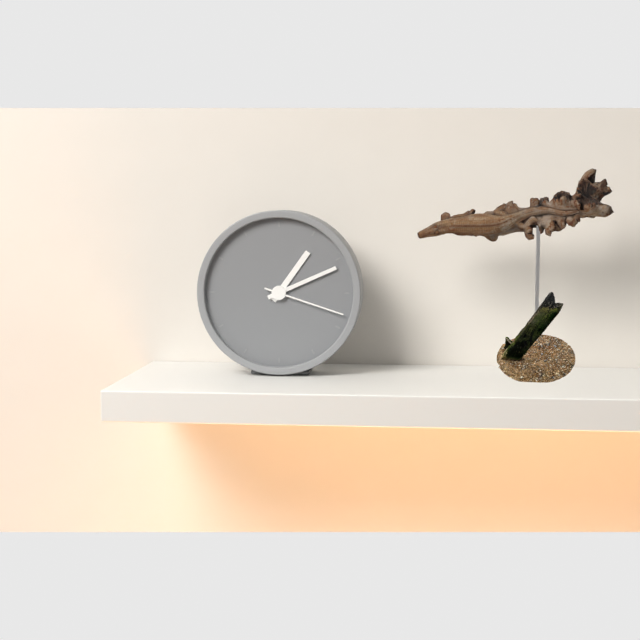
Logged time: 1,11,18
